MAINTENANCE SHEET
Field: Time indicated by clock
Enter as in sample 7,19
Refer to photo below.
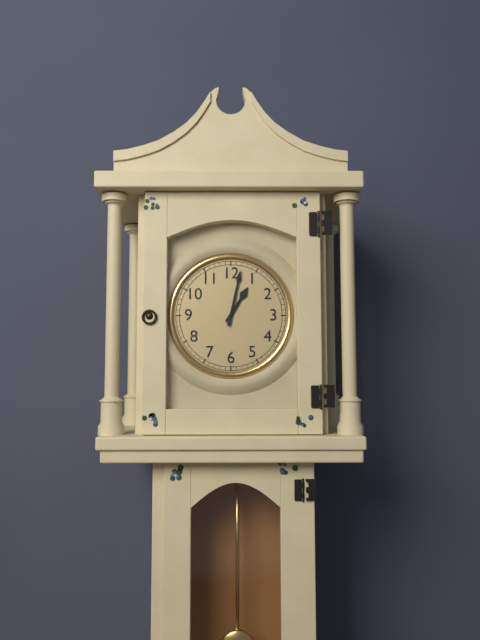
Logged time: 1,02
